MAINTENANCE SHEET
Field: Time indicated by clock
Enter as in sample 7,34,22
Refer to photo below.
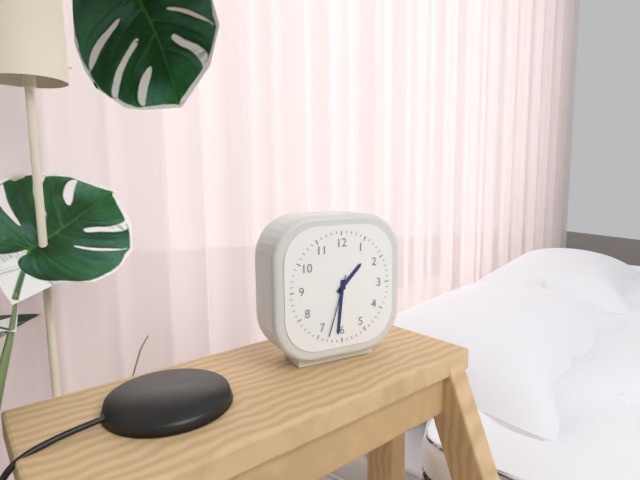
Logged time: 1,31,33
